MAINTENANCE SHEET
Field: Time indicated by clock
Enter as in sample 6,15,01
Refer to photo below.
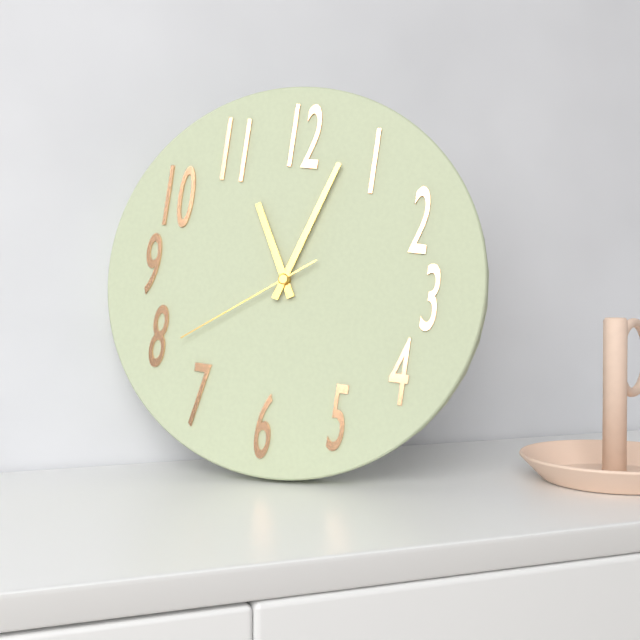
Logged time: 11,03,39
